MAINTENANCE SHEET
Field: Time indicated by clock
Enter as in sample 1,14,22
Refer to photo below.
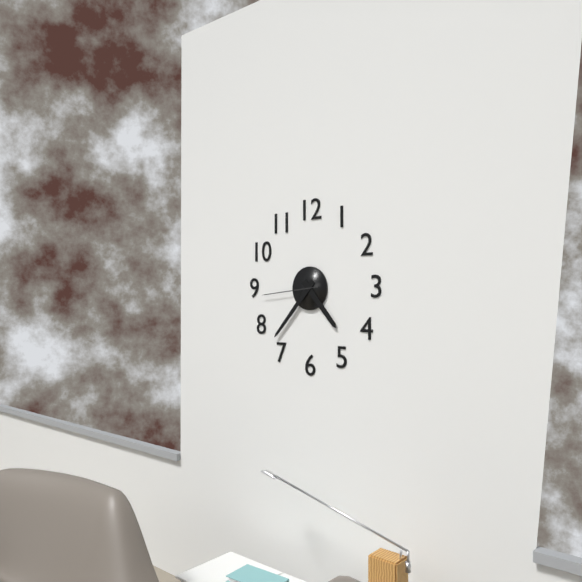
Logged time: 4,37,44
